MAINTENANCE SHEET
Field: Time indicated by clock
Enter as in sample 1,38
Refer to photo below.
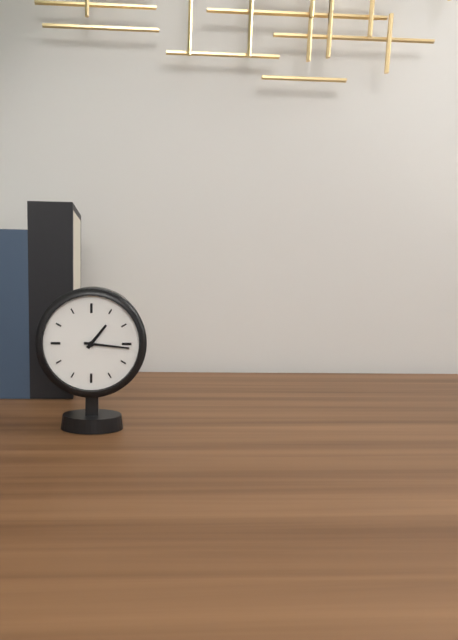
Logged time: 1,16
